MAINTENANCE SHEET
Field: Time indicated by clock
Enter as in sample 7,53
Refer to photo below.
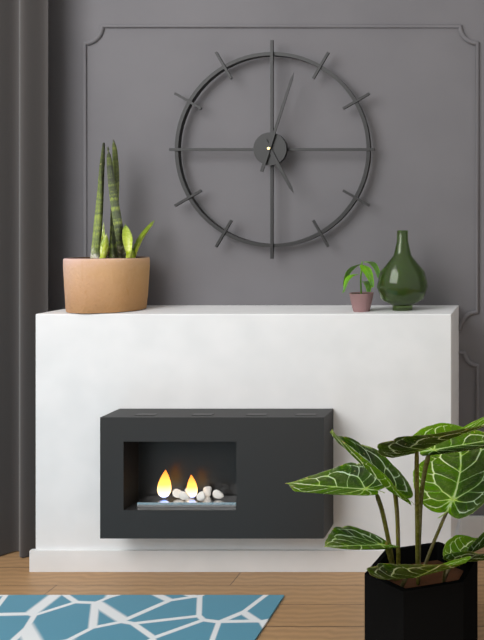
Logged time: 5,03
